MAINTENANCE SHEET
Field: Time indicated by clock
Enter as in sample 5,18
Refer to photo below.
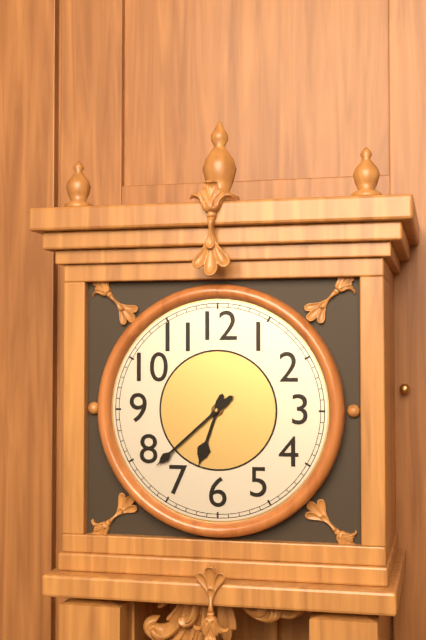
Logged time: 6,38
